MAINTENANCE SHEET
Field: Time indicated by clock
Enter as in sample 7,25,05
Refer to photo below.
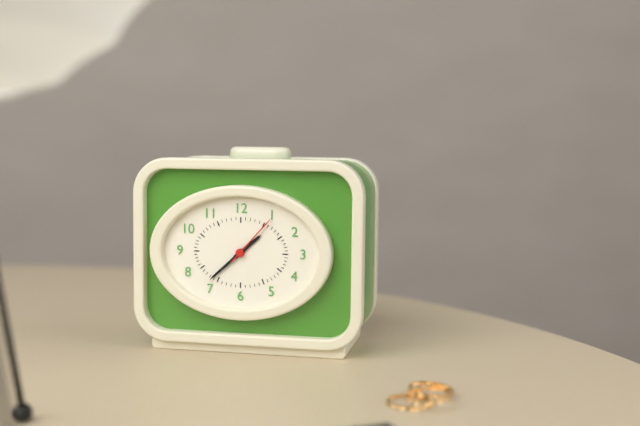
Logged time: 1,38,07
